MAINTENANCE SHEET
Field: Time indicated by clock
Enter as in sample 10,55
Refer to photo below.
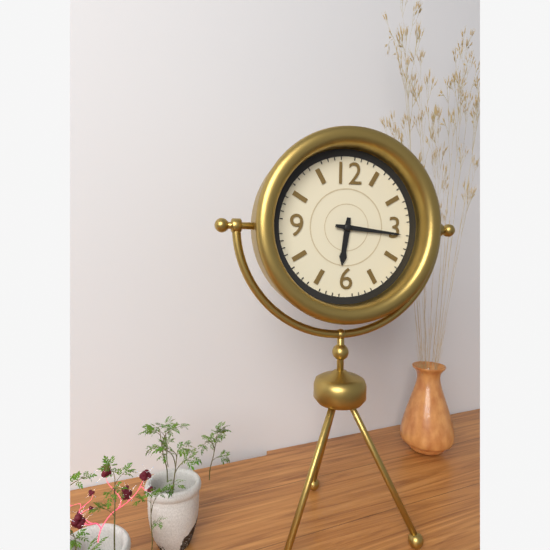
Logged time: 6,16
